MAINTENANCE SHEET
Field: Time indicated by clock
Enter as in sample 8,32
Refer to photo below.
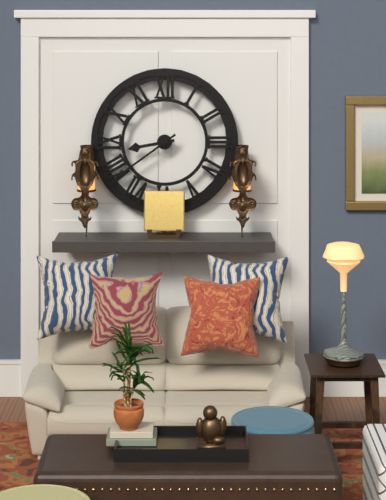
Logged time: 8,39
